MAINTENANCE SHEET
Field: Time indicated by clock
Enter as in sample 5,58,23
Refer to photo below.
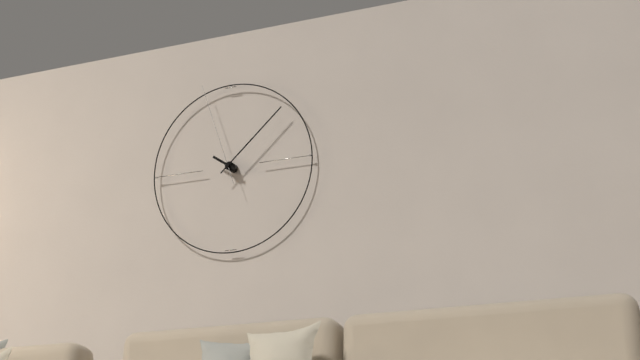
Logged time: 10,08,57
